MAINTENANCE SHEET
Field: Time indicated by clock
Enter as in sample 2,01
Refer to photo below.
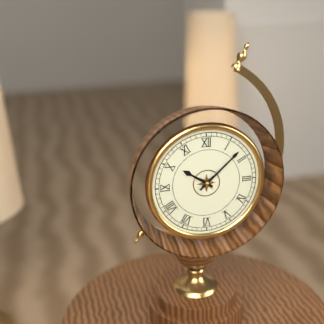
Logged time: 10,08
